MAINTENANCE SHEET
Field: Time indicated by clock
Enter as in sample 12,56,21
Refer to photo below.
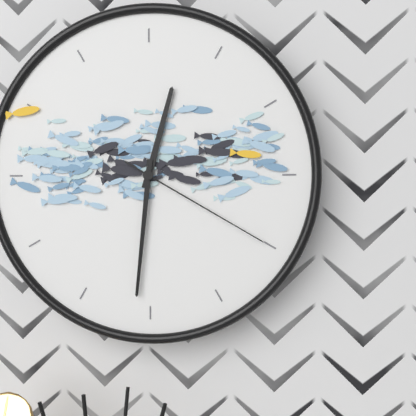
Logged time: 12,31,20
